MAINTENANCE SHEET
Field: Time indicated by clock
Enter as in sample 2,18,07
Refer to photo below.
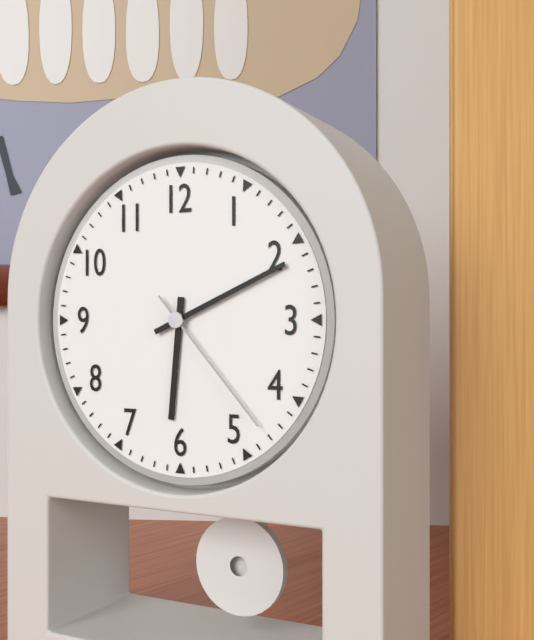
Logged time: 6,11,23
